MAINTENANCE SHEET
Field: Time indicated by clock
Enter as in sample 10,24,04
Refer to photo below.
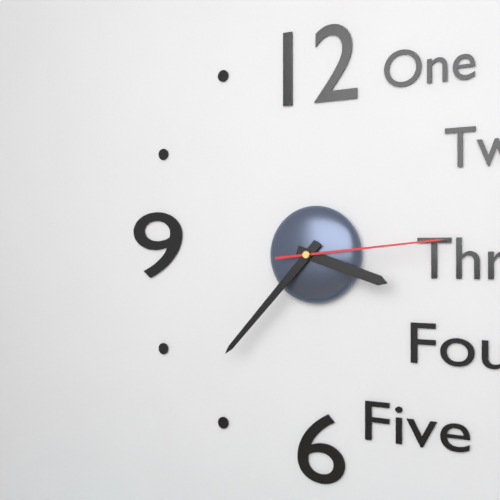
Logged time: 3,37,14
